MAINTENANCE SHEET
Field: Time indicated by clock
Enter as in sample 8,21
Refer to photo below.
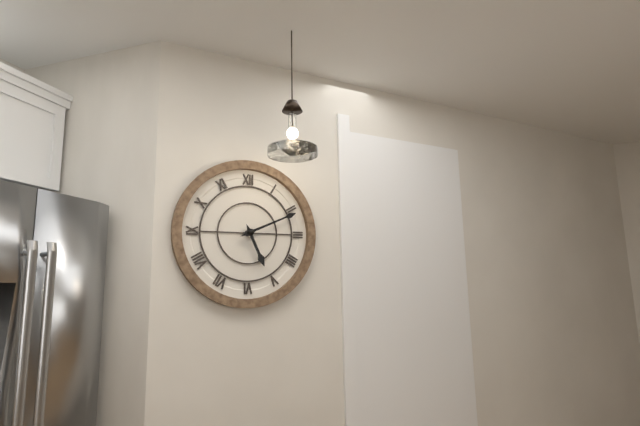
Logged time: 5,11
